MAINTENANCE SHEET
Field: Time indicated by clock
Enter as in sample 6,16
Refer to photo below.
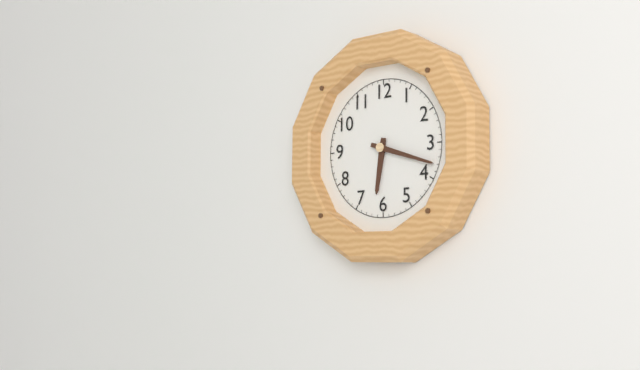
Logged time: 6,18
